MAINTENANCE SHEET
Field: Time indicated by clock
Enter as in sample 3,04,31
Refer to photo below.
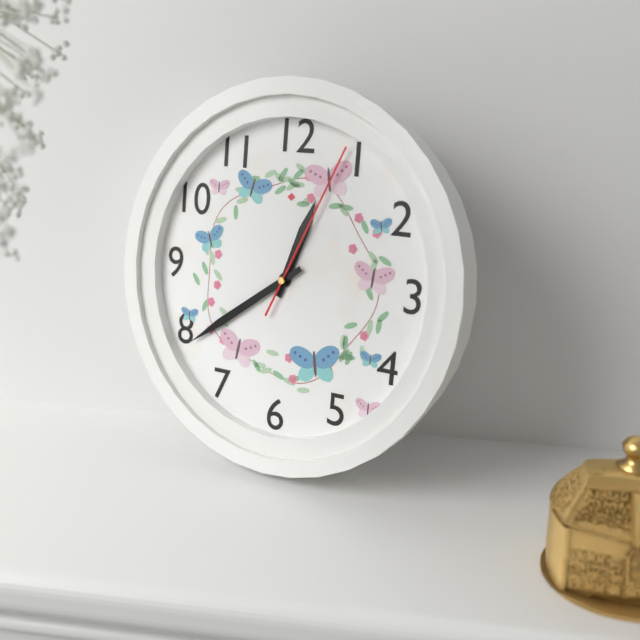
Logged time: 12,39,04
